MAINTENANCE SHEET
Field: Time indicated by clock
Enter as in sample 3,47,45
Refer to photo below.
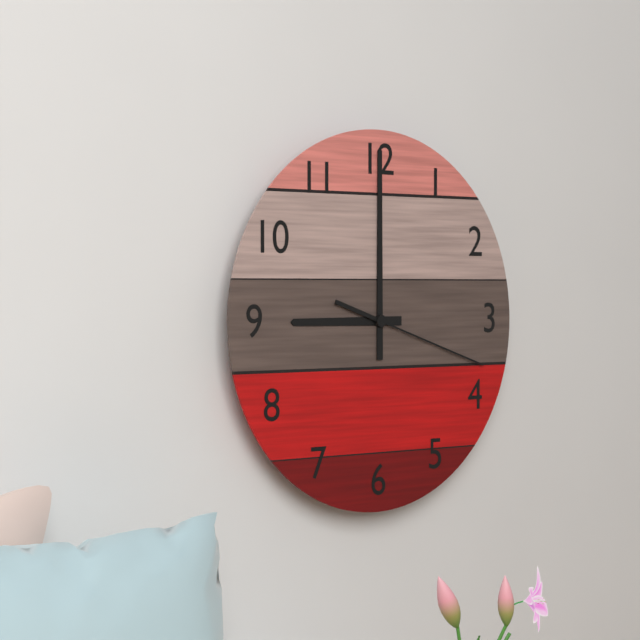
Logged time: 9,00,18
